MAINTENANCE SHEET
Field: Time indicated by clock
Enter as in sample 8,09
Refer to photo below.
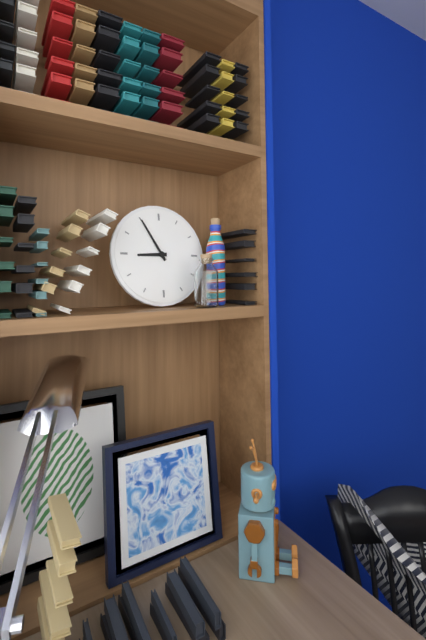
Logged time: 8,55
